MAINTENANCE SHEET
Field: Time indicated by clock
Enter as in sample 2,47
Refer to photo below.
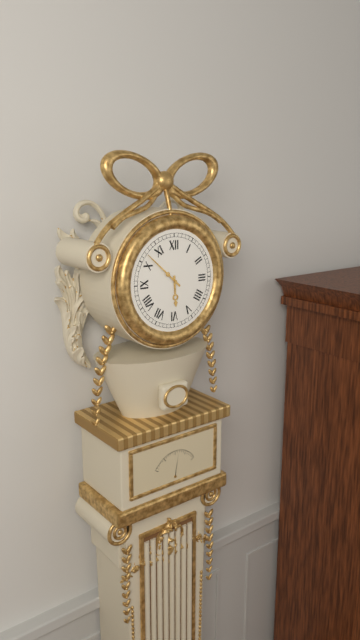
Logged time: 5,52
